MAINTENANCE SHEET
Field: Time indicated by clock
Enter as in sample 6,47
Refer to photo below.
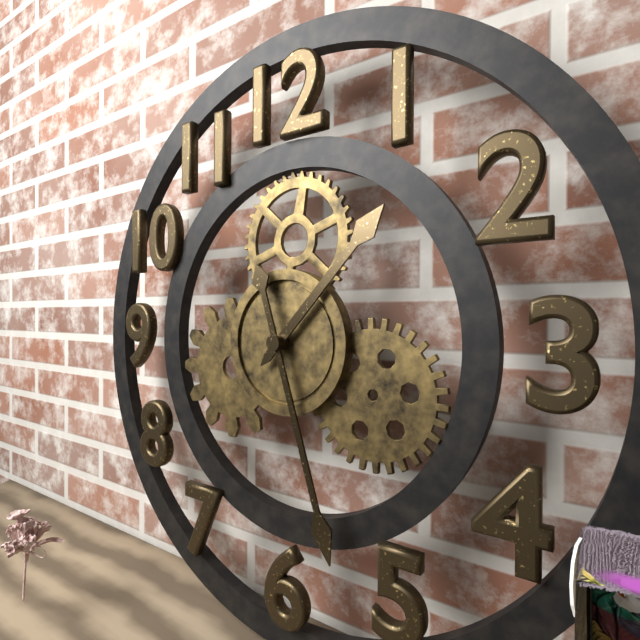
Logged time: 1,27
